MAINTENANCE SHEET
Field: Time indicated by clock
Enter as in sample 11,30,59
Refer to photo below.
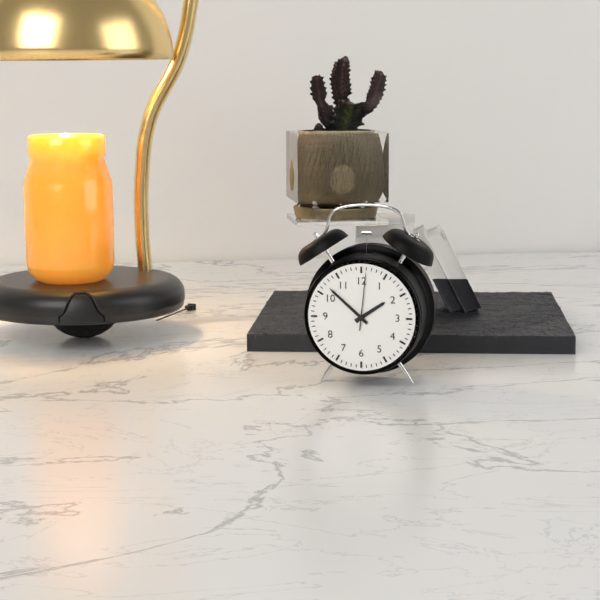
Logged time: 1,52,01
